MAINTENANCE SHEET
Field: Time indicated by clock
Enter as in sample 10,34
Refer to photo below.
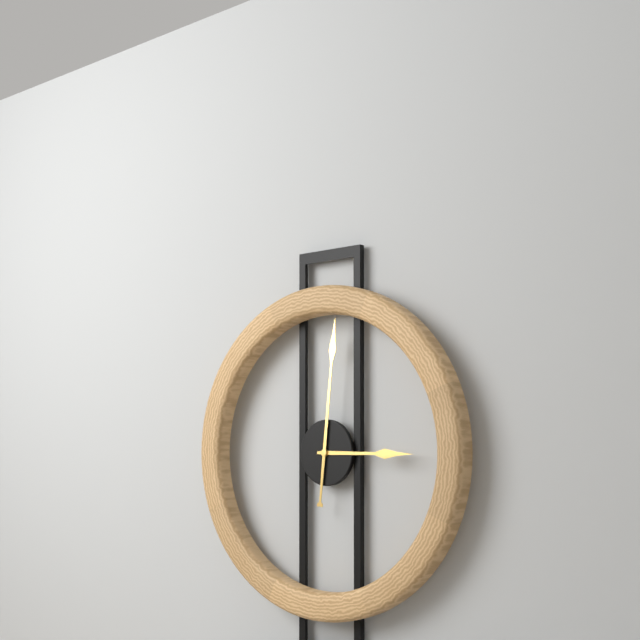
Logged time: 3,01
